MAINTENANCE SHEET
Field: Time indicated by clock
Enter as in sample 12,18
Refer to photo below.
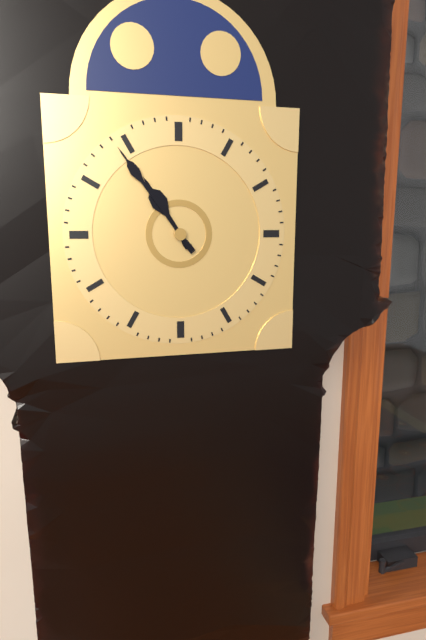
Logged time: 10,54
